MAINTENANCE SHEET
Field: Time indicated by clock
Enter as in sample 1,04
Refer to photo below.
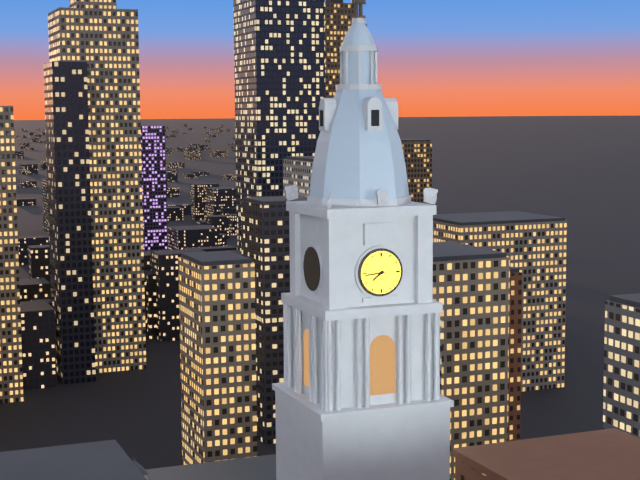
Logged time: 7,44
